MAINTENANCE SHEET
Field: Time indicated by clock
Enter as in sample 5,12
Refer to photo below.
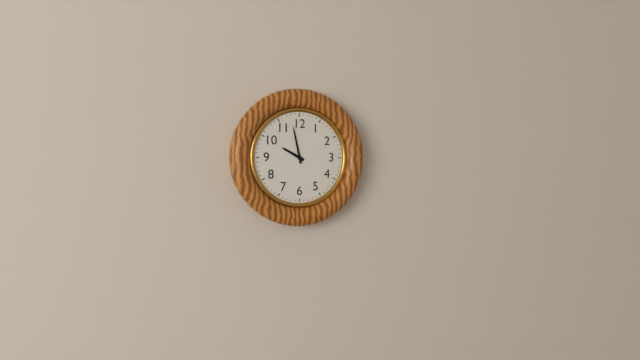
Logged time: 9,58
